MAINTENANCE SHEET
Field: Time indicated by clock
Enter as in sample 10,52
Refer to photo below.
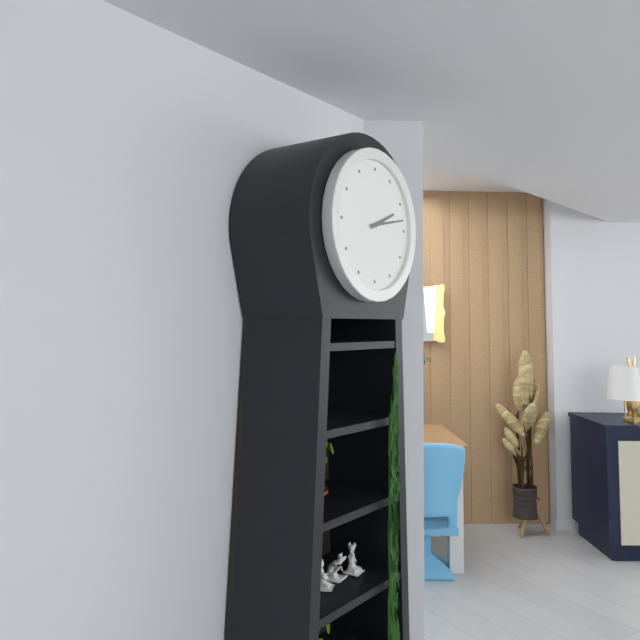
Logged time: 2,13
